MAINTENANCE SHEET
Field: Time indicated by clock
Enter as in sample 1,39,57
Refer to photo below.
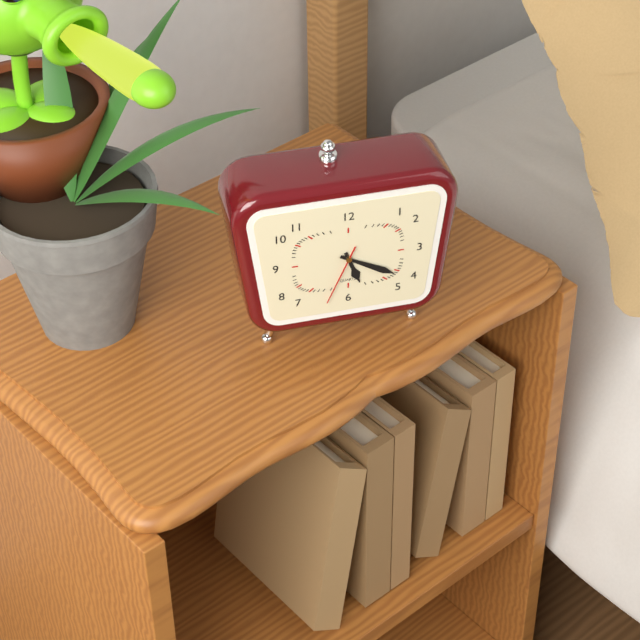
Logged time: 5,20,34
